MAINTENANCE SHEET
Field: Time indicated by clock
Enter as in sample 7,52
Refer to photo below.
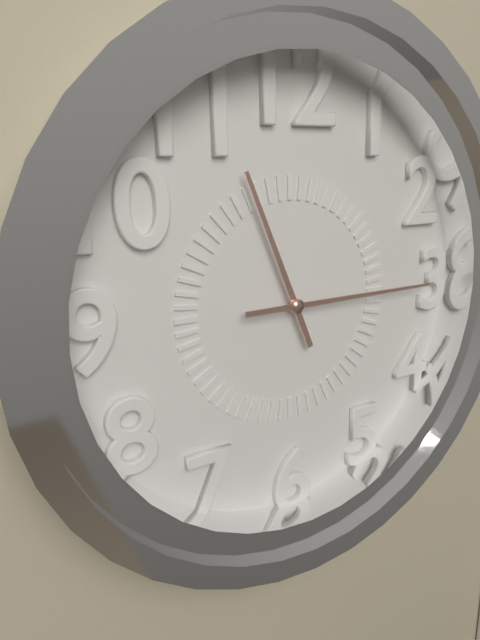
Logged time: 11,15
